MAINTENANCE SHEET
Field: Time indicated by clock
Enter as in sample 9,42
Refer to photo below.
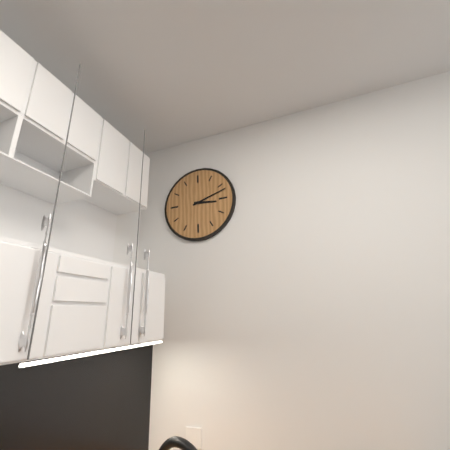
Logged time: 3,12
